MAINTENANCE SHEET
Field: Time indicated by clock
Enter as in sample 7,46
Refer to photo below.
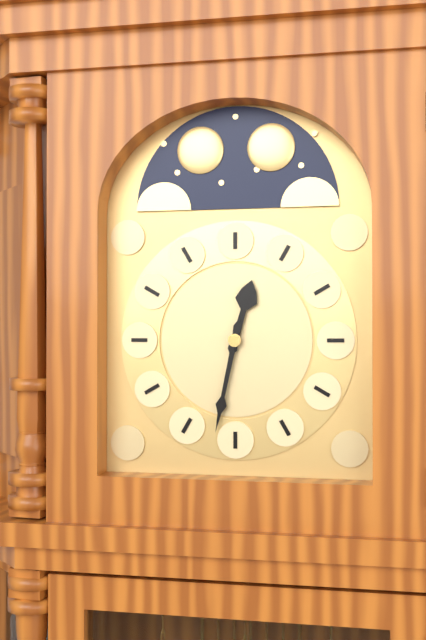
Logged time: 12,32
